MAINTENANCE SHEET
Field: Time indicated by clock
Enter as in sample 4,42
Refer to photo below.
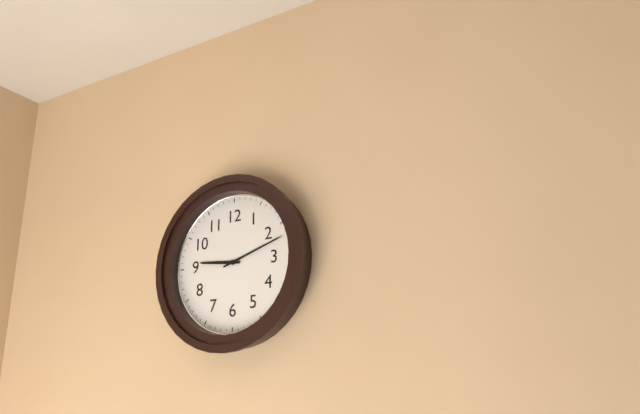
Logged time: 9,12
